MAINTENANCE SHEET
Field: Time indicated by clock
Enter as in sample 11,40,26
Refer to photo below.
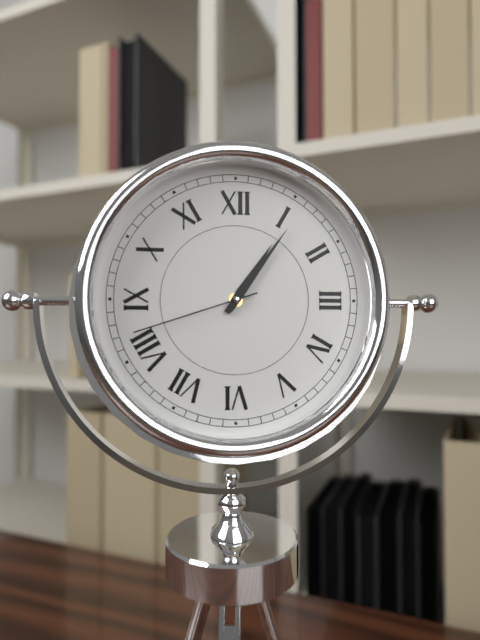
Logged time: 1,06,42
